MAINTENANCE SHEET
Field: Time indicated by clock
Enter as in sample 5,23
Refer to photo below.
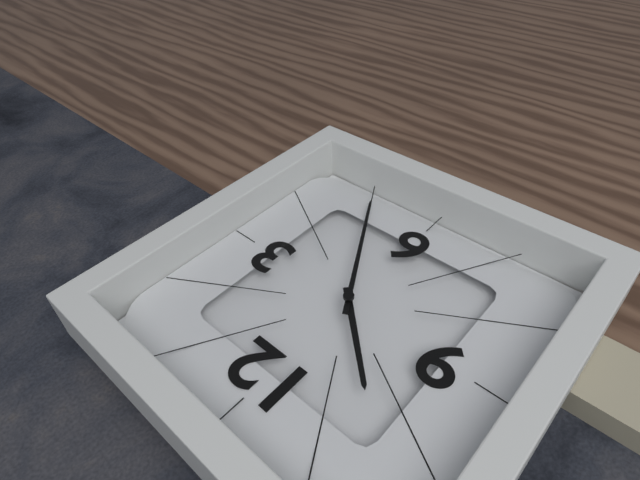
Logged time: 10,25
